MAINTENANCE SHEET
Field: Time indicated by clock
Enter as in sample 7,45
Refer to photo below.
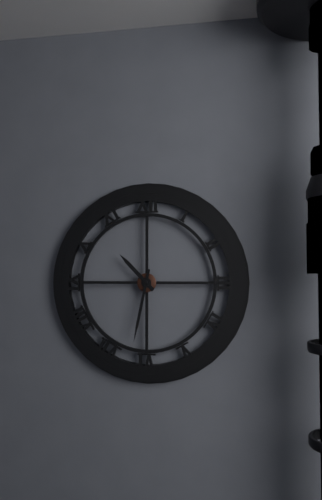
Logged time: 10,32
